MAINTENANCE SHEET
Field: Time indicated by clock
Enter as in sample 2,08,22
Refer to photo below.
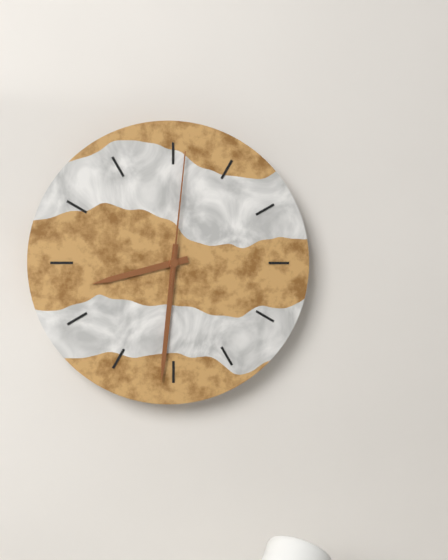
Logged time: 8,31,01
